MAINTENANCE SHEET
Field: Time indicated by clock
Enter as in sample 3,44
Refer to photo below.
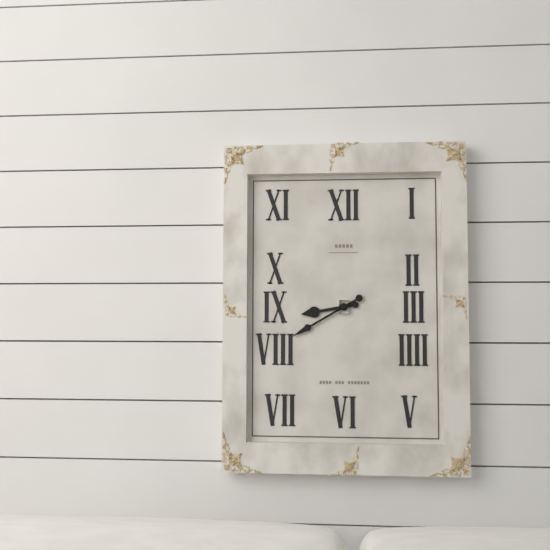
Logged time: 8,40
